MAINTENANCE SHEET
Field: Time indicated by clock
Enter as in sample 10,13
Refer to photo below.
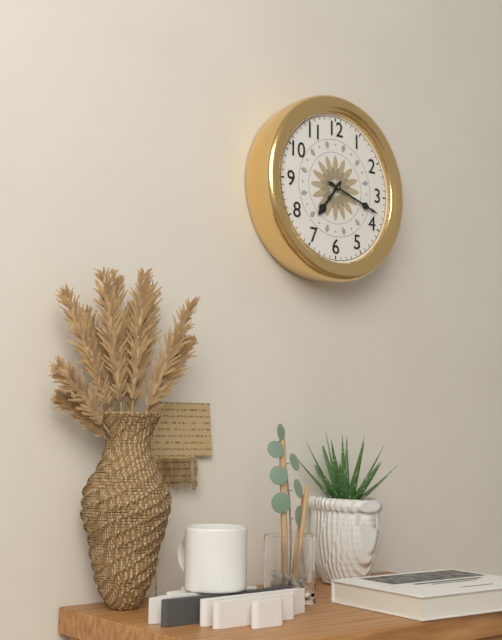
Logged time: 7,18
